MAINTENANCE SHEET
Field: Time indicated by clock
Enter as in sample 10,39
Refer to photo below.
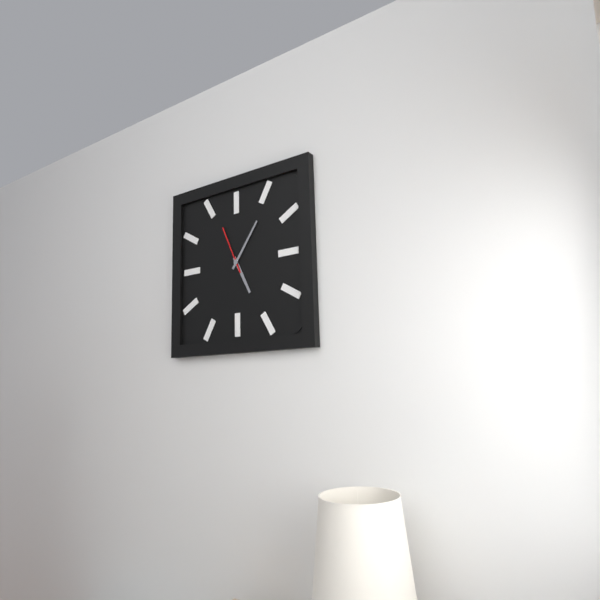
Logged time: 5,06
